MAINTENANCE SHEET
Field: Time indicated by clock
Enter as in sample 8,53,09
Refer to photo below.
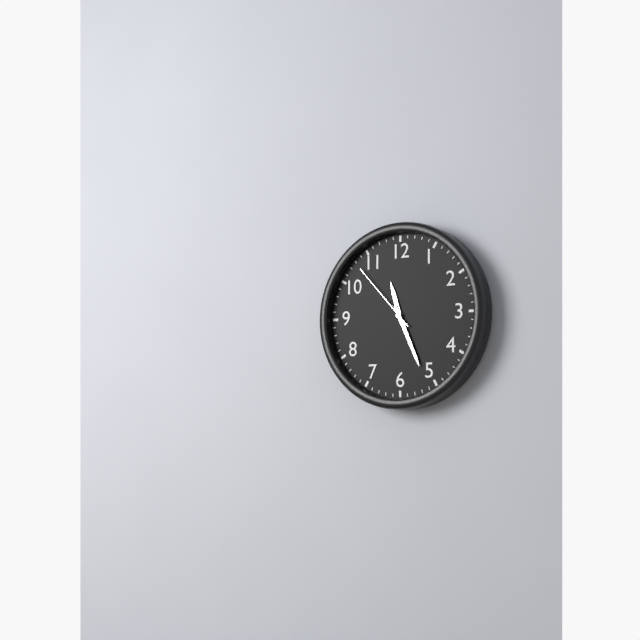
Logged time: 11,26,53
